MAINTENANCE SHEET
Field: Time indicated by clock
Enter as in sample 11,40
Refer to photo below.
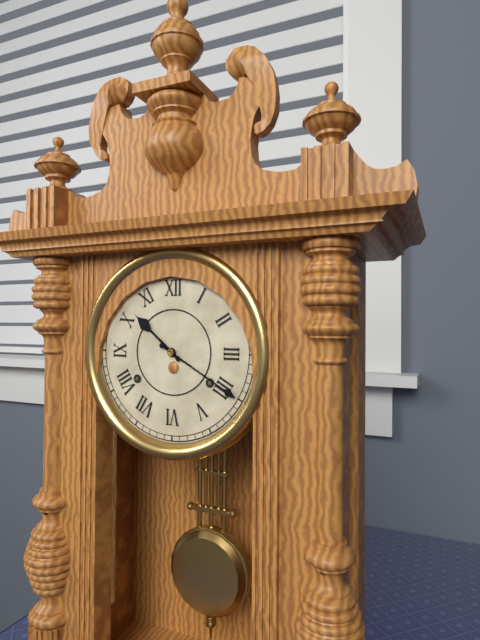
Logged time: 10,20
